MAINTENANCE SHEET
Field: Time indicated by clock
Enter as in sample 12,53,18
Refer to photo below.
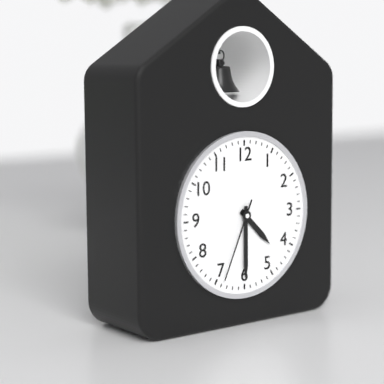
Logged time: 4,30,34
